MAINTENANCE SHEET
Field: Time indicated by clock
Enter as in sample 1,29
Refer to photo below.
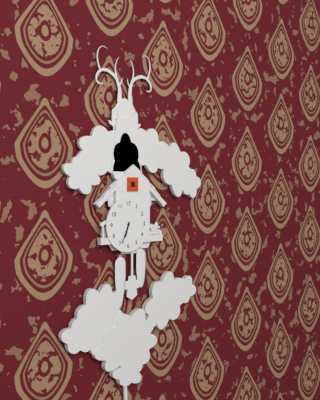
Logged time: 6,34
